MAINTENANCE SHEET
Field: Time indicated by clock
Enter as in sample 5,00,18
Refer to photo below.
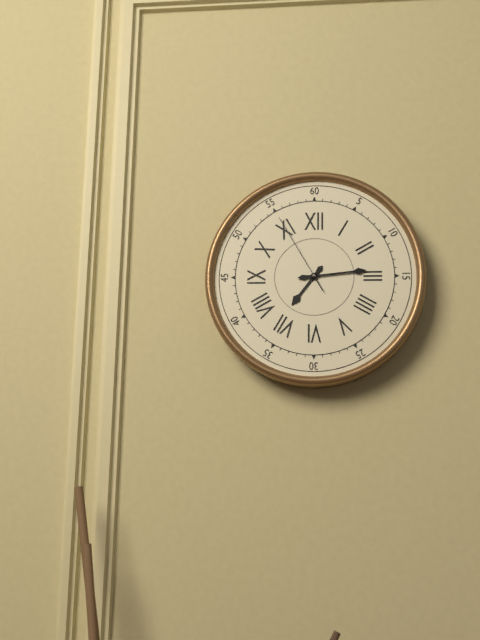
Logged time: 7,14,55
